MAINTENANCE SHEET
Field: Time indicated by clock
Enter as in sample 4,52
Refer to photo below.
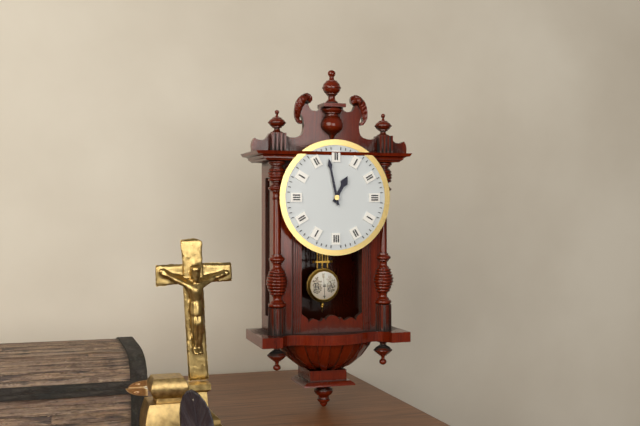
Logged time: 12,58
